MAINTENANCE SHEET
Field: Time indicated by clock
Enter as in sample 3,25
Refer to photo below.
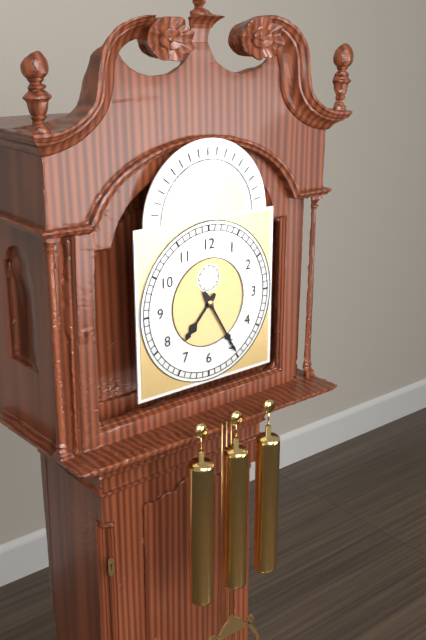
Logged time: 7,25
